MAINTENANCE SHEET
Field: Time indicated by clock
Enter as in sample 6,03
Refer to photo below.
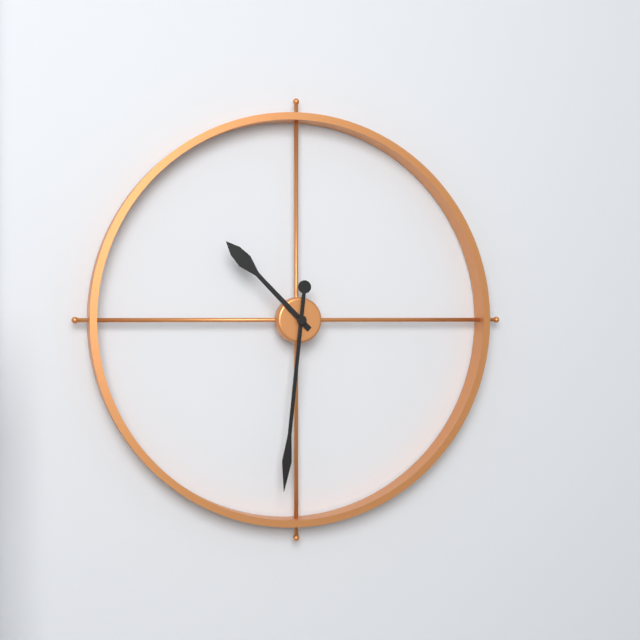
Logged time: 10,31
